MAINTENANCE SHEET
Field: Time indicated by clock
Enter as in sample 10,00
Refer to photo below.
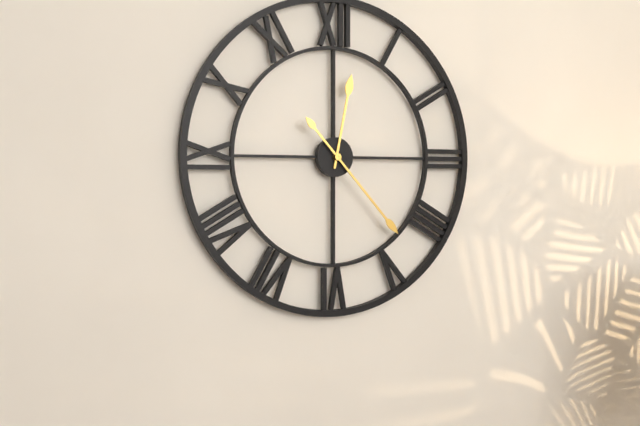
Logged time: 12,23
